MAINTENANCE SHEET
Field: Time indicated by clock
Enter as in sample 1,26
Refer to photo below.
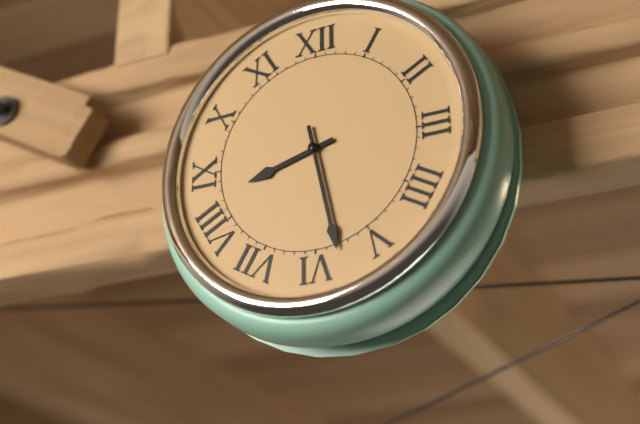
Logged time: 8,28
